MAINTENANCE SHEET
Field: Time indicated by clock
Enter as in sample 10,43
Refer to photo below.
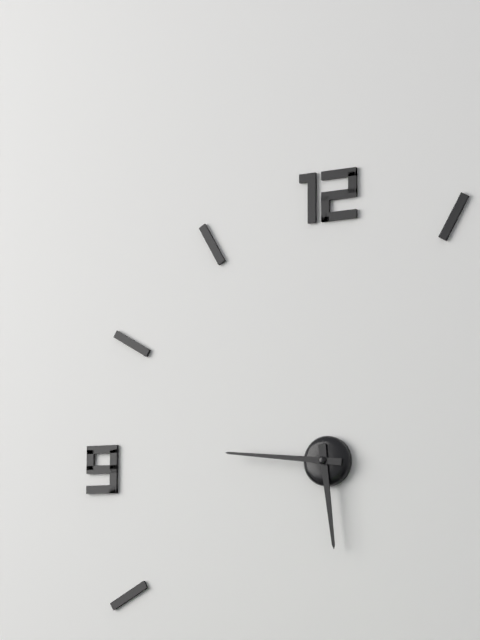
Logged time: 5,46
